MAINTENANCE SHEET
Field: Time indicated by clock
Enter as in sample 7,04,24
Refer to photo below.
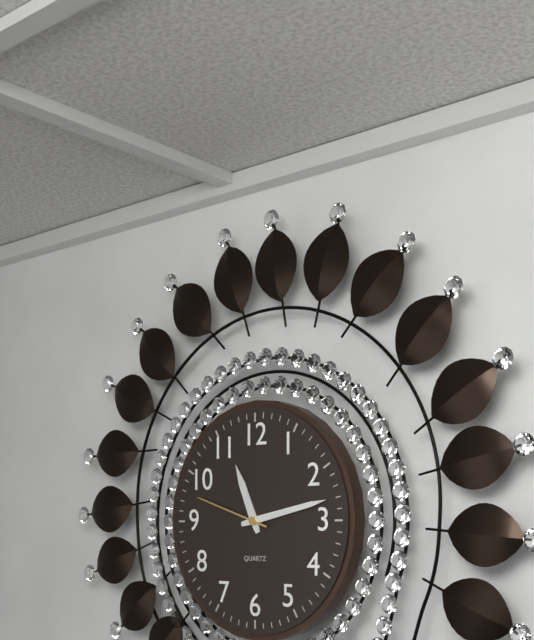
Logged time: 11,13,48
